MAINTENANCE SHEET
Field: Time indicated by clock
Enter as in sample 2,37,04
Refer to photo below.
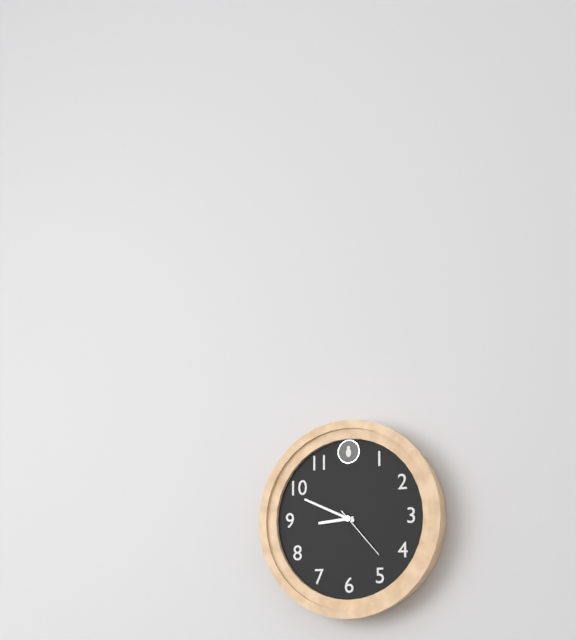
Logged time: 8,49,23
